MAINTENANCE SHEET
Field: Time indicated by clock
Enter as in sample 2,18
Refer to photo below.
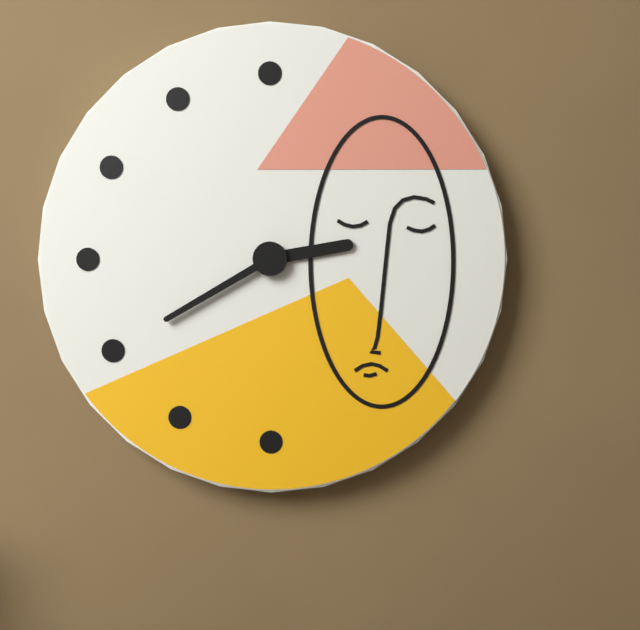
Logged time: 2,40
